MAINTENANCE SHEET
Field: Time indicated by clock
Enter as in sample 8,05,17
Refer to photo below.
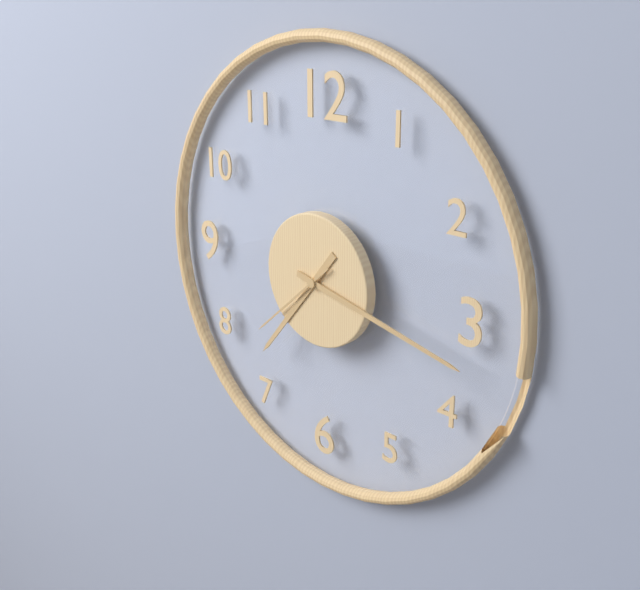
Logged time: 7,17,38
